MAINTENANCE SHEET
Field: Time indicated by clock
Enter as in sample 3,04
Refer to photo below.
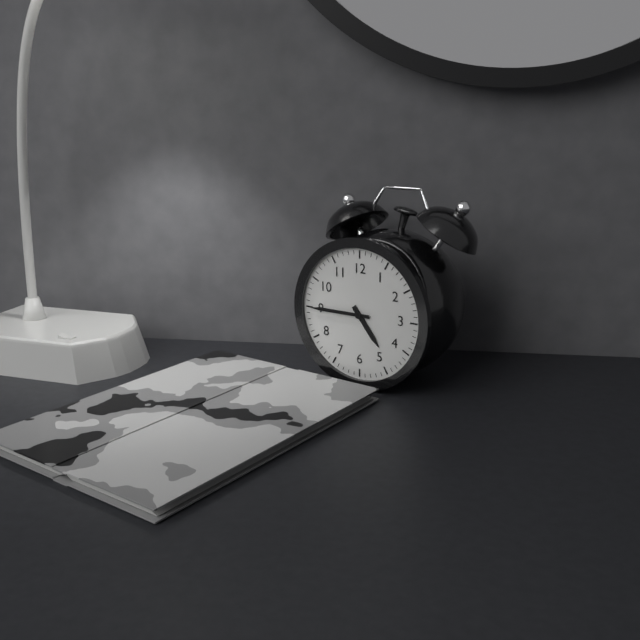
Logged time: 4,45
